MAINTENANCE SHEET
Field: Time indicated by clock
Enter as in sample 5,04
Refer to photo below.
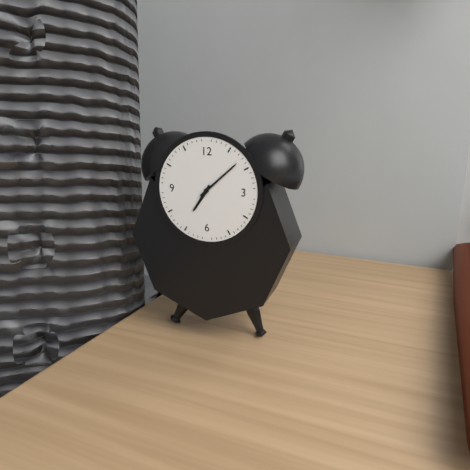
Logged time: 7,08
